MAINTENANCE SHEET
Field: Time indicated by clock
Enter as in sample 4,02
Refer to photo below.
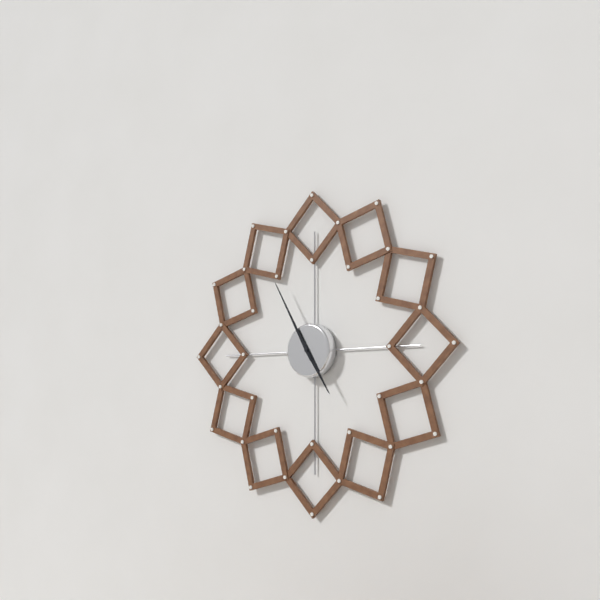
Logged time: 4,55
